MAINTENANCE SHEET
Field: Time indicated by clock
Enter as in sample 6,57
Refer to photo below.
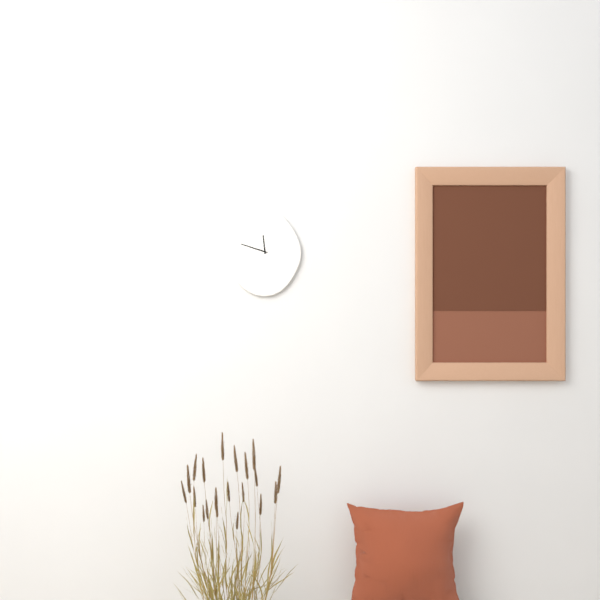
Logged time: 11,48
